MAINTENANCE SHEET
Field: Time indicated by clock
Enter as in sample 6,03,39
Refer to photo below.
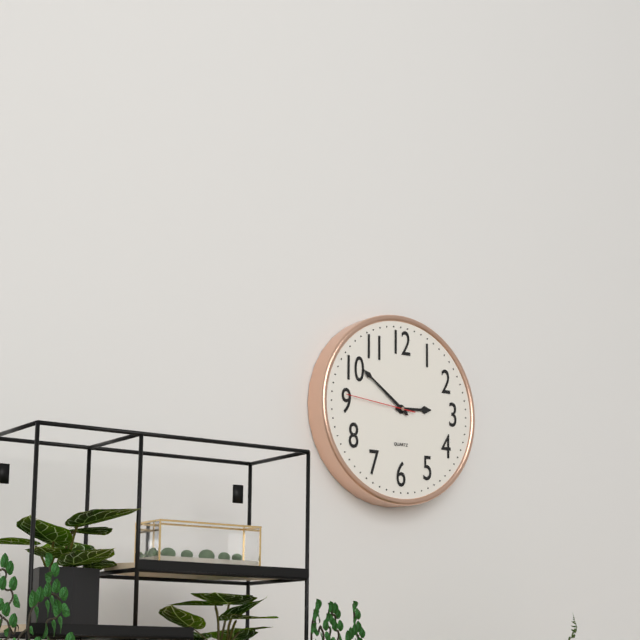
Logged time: 2,51,46
